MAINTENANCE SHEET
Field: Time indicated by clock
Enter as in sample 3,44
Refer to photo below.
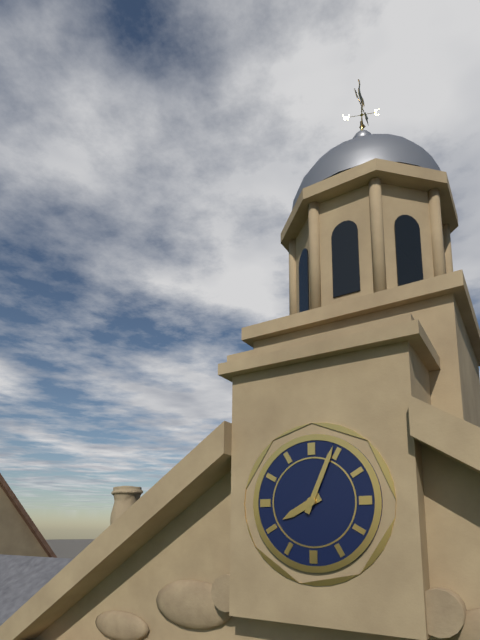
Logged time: 8,04
